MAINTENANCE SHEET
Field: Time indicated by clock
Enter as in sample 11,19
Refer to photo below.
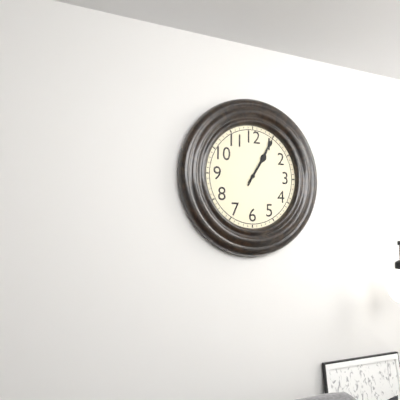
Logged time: 1,05
